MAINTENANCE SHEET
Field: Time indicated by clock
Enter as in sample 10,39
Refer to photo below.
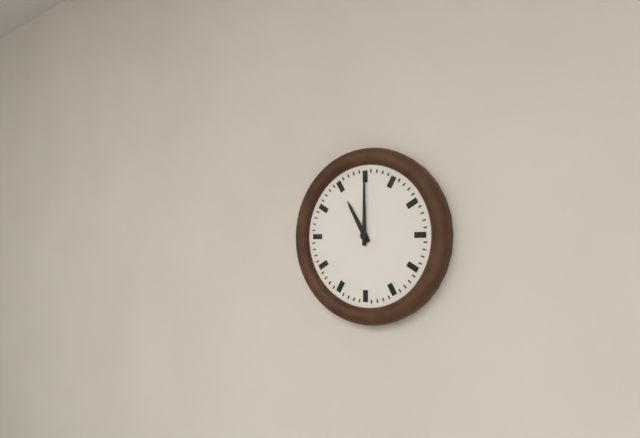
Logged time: 11,00
